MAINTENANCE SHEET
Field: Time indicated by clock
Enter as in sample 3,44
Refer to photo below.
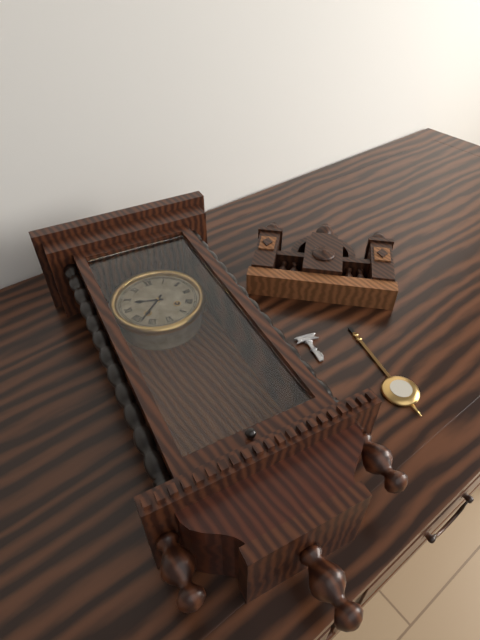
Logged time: 9,38
